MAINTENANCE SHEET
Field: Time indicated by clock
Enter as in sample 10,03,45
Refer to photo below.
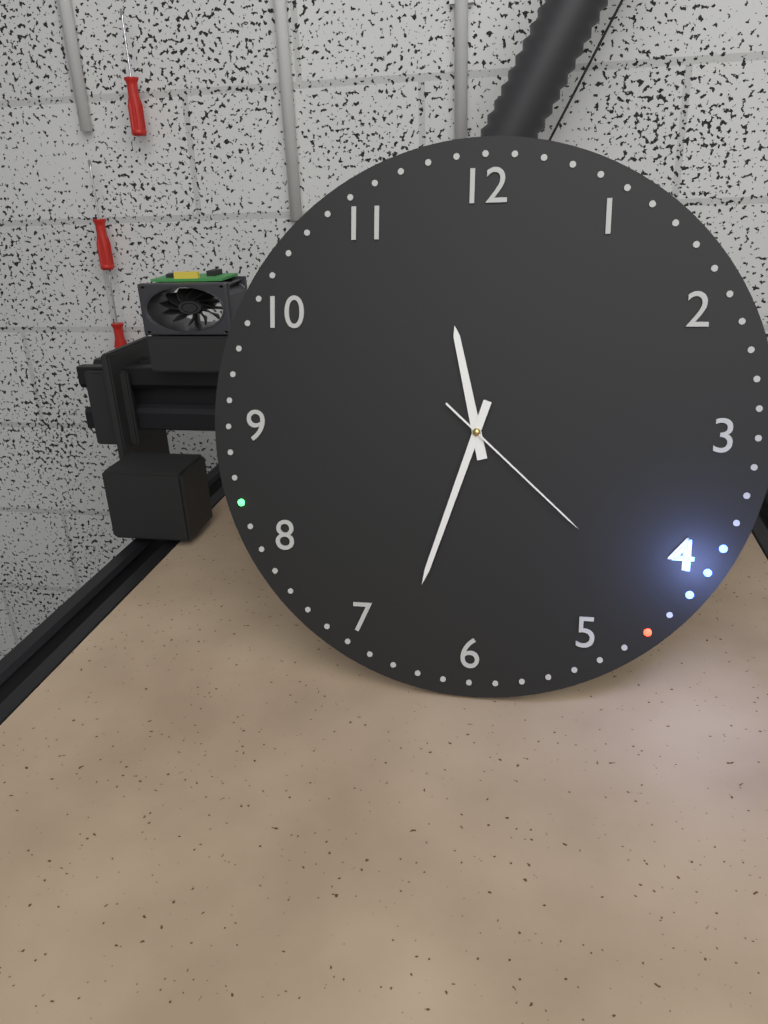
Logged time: 11,33,22
